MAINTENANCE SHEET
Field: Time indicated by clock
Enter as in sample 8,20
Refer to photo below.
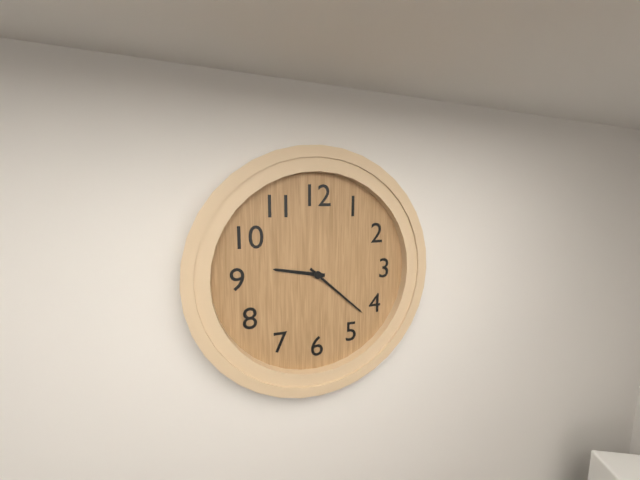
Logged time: 9,22
